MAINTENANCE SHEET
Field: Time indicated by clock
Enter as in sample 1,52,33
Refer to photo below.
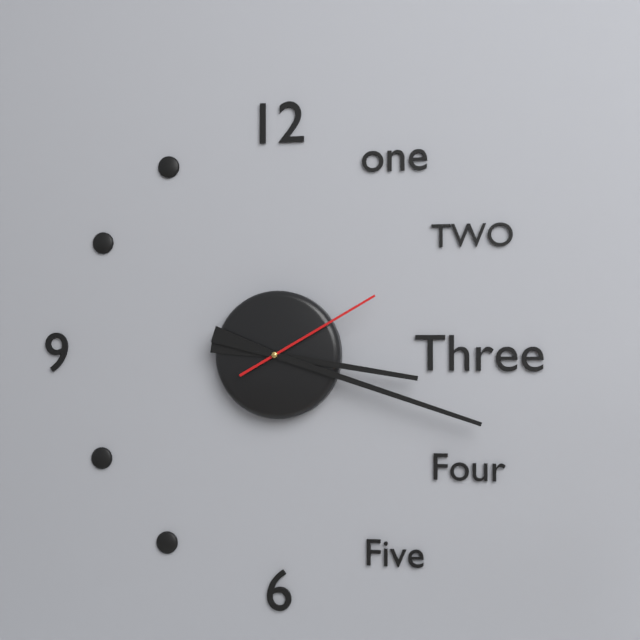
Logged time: 3,18,10
